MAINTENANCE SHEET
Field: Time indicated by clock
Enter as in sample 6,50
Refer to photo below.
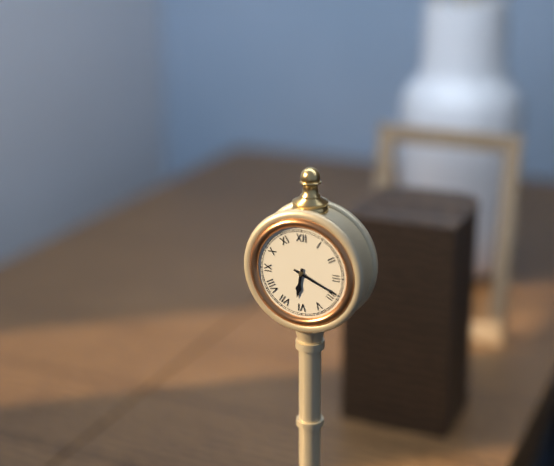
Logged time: 6,19
